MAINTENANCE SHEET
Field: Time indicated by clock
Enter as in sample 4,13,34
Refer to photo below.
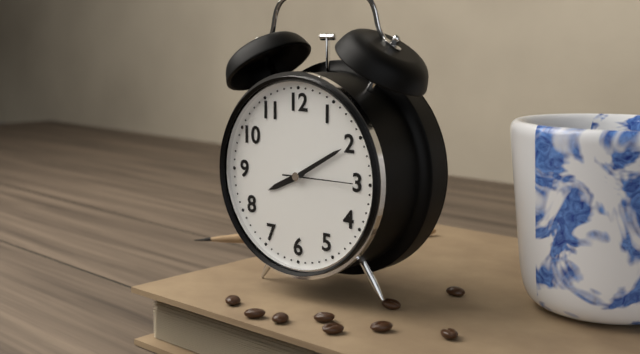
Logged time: 8,10,15
